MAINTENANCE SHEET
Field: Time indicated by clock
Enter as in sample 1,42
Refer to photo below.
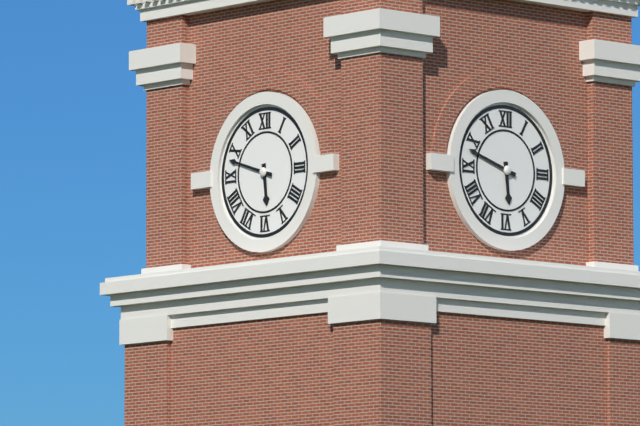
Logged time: 5,48
